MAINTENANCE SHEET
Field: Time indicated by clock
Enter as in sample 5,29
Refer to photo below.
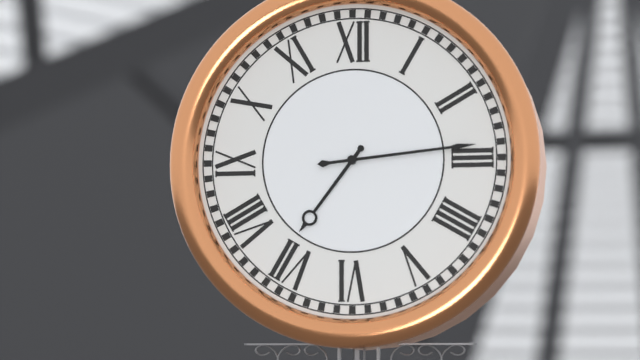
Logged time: 7,14
